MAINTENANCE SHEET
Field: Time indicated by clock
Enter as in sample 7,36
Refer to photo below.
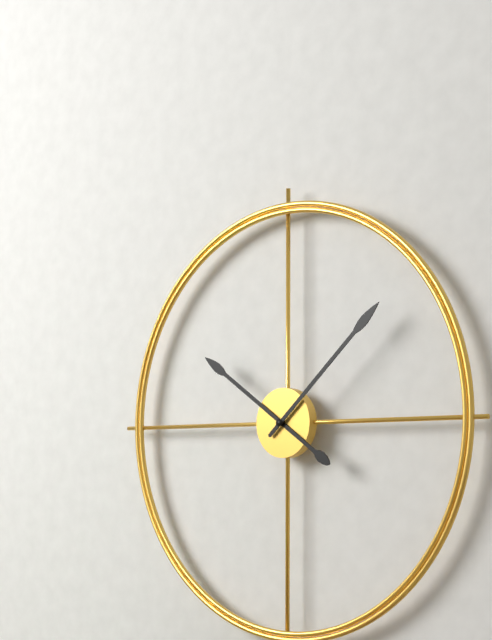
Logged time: 10,08
